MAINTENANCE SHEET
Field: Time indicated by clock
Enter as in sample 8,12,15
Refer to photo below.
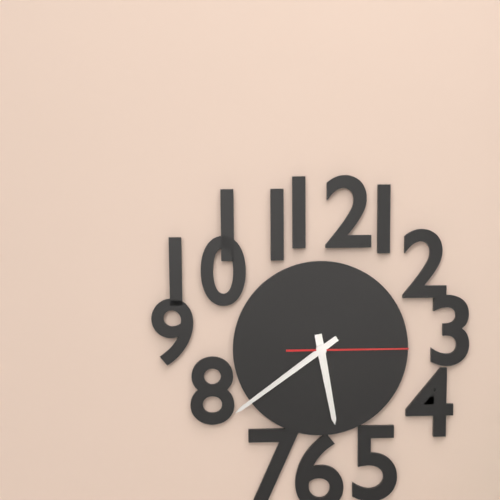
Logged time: 5,39,15
